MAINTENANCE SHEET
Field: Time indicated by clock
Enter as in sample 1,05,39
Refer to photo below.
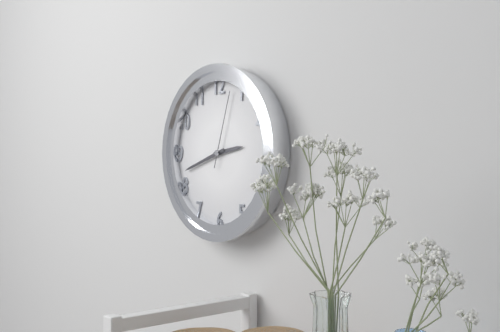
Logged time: 2,42,03
